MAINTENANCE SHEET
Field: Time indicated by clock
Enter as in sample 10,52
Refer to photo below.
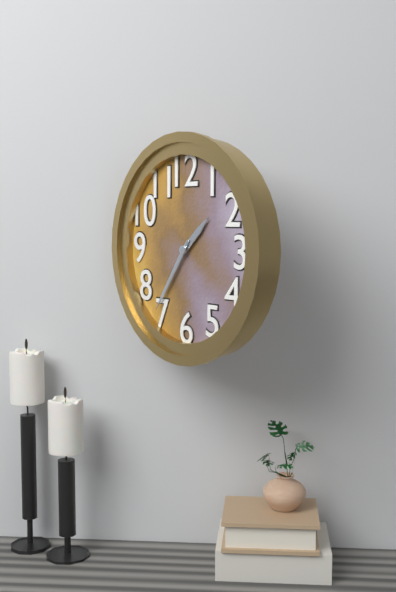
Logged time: 1,36
